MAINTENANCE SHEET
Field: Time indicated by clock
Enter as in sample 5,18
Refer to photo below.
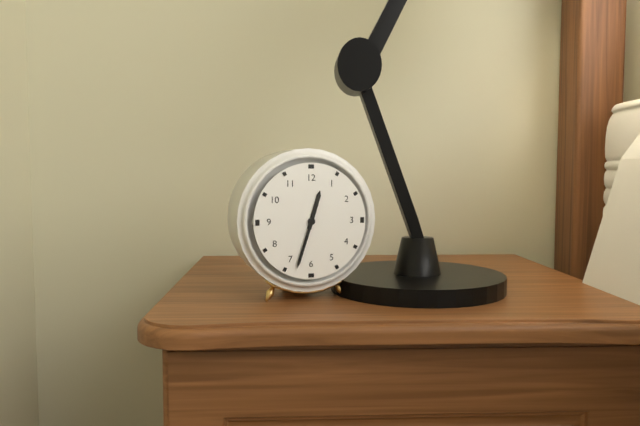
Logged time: 12,33
